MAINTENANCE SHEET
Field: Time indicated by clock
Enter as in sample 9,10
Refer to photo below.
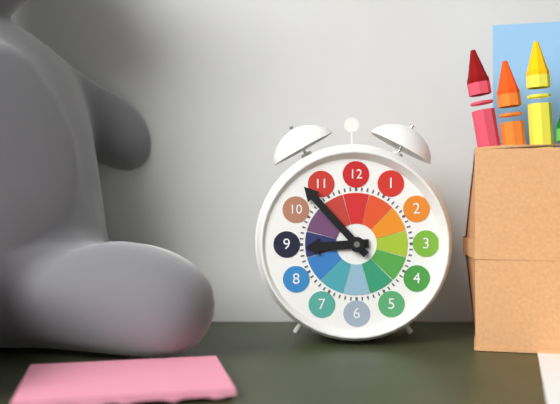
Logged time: 8,53
